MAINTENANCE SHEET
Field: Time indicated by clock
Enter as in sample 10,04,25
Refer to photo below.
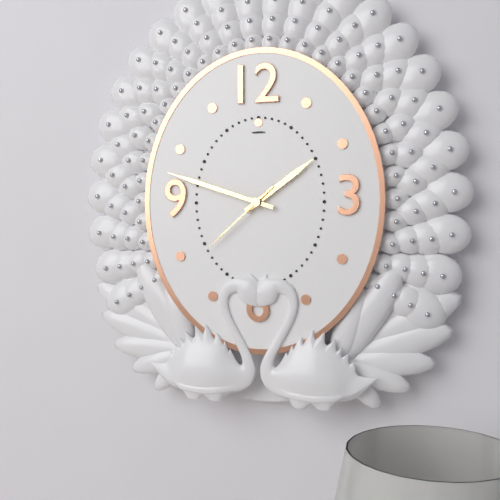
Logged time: 1,48,38
